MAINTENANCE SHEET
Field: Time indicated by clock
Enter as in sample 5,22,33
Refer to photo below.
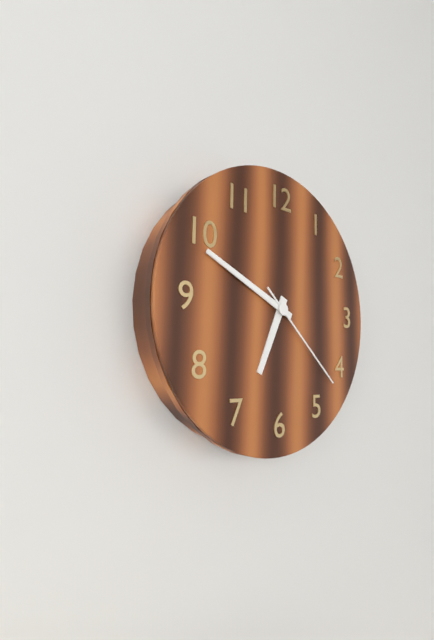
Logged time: 6,49,22
